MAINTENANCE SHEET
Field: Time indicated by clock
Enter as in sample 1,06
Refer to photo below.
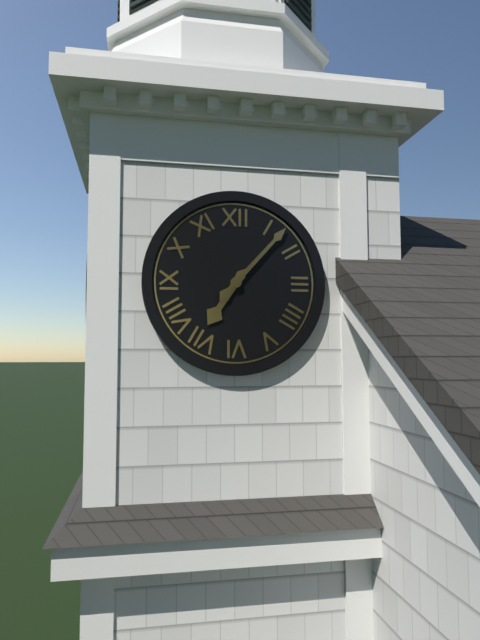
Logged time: 7,07
